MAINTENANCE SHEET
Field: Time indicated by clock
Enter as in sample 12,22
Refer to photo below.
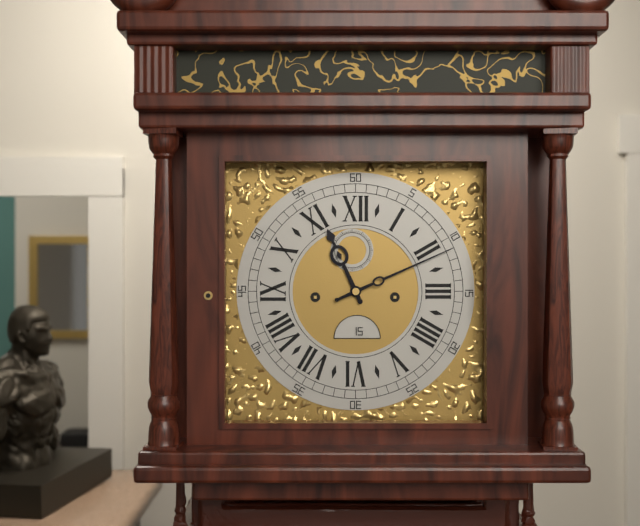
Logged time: 11,11
